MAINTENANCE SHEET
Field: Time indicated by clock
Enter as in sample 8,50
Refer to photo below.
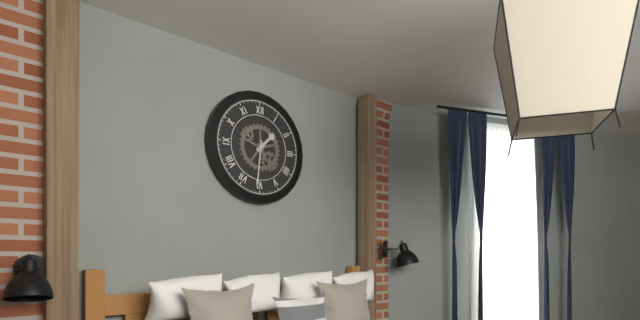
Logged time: 1,31
